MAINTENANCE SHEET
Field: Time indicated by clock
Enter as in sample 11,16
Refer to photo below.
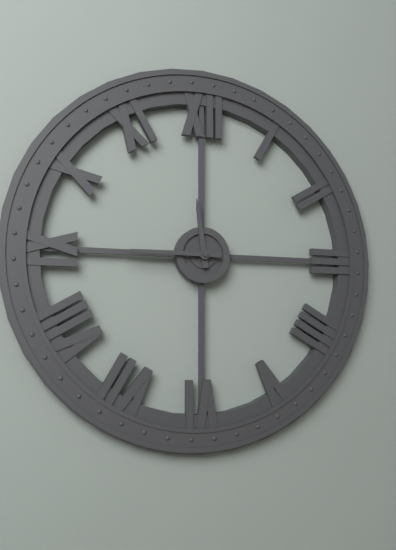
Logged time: 11,45
